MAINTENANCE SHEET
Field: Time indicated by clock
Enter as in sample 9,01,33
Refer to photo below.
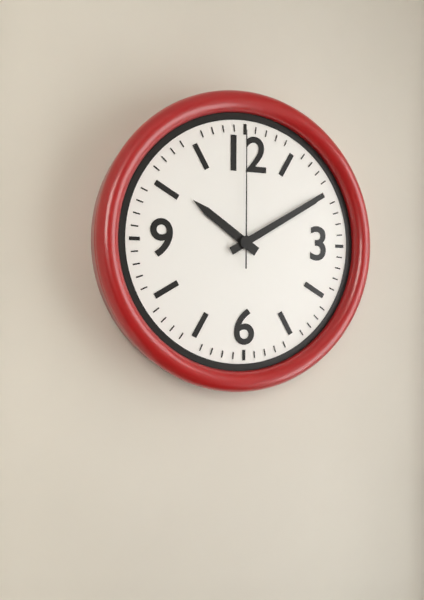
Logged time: 10,10,00
